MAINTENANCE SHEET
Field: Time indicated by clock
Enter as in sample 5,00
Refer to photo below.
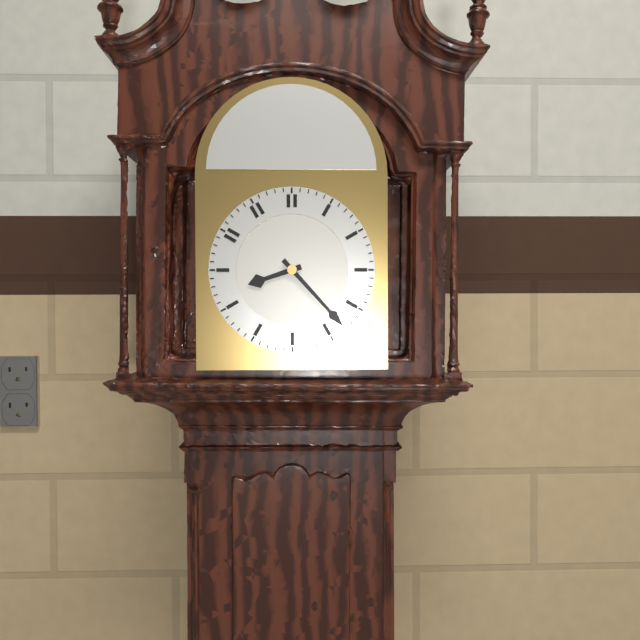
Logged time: 8,23
